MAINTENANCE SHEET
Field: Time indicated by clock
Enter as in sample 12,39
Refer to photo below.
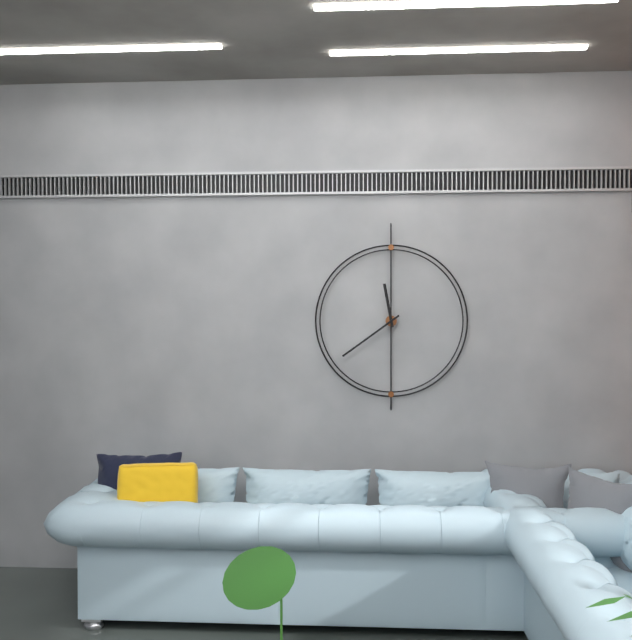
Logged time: 11,39
